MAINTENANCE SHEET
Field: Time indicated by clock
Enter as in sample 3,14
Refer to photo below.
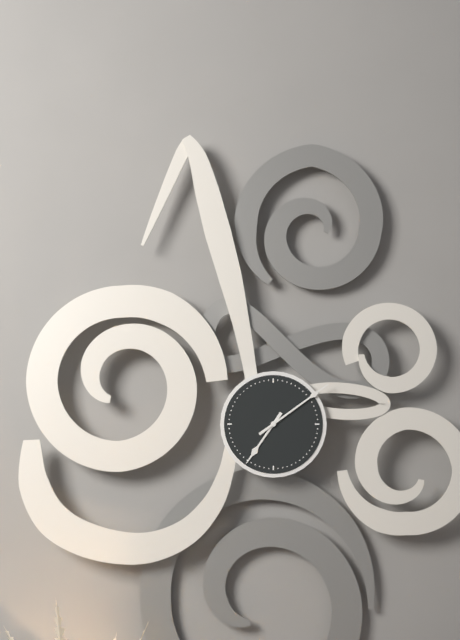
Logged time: 7,09
